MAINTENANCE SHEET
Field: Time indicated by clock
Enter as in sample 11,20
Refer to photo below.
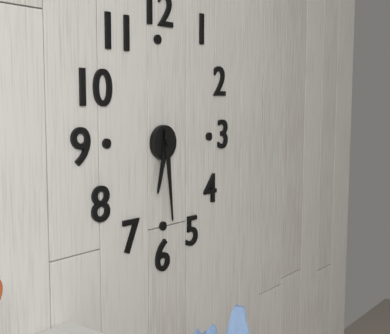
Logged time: 6,29
